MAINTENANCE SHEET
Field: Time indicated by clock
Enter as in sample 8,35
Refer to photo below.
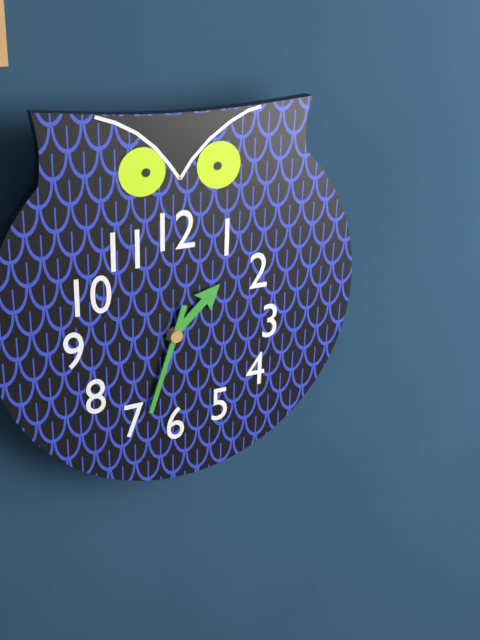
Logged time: 1,33
